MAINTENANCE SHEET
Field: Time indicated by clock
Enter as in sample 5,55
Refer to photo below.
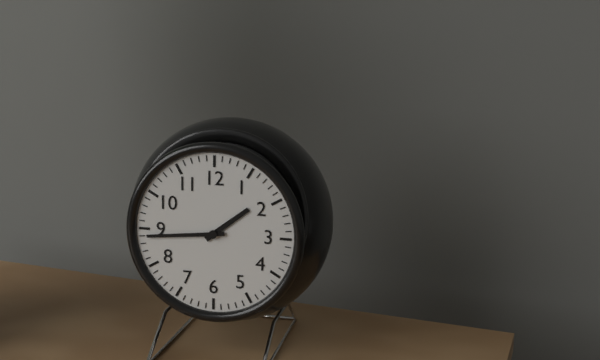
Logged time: 1,44
